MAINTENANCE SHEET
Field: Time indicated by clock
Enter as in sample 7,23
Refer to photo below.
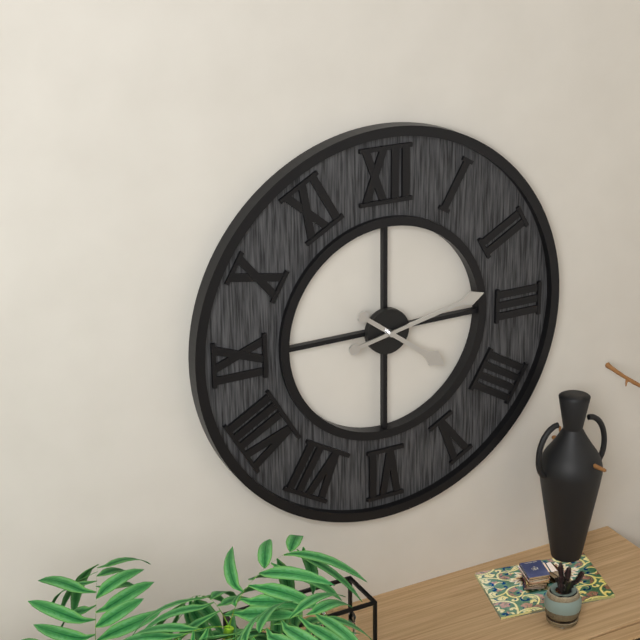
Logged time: 4,13
